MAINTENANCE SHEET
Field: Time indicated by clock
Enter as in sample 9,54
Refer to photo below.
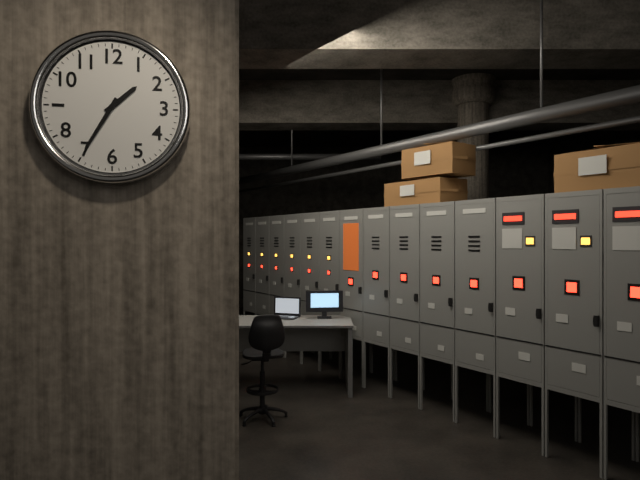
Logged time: 1,35
